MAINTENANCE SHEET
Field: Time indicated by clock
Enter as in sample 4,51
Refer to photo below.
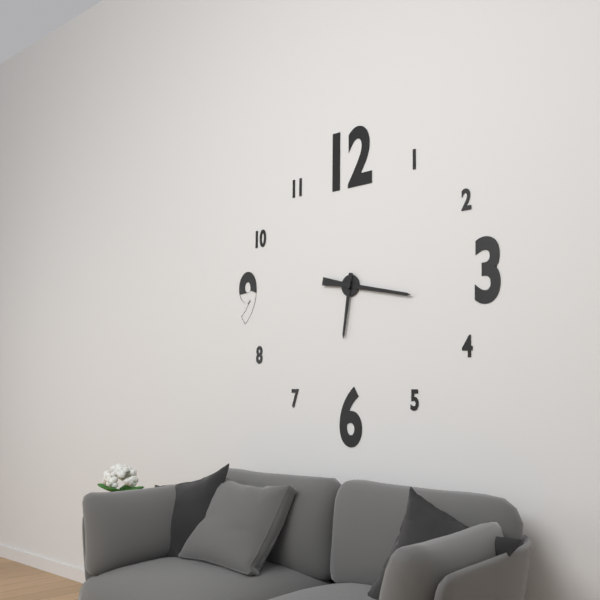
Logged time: 6,17
